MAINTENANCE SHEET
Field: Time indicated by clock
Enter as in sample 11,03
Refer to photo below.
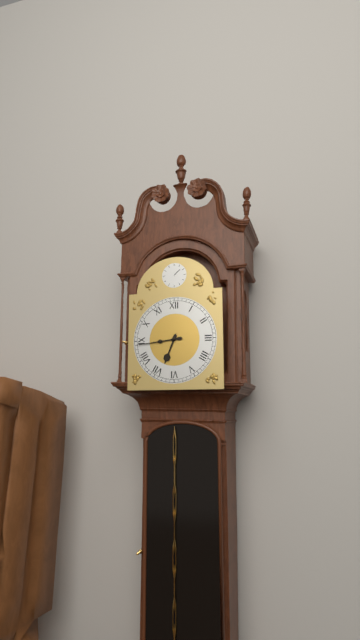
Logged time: 6,44
